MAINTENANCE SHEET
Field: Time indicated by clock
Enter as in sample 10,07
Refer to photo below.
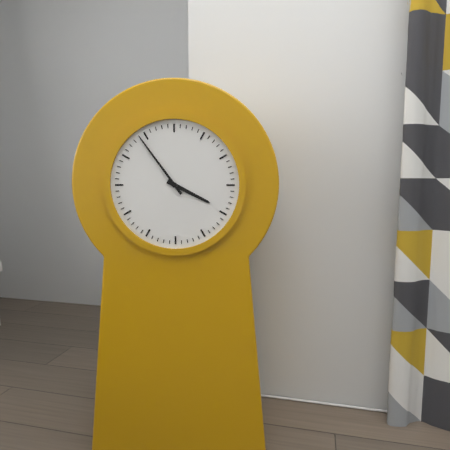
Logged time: 3,54
